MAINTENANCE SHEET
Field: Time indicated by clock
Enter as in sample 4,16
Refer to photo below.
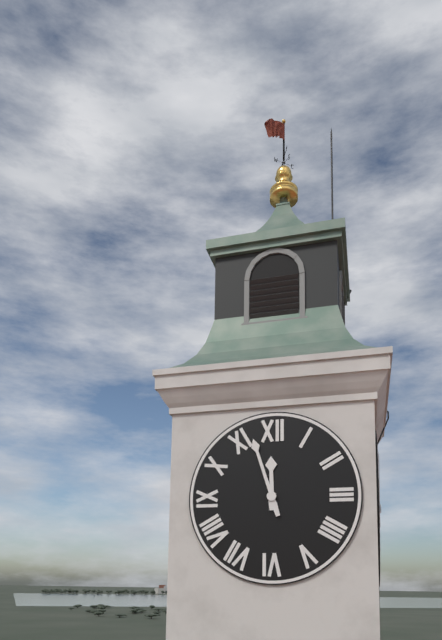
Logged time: 11,57
